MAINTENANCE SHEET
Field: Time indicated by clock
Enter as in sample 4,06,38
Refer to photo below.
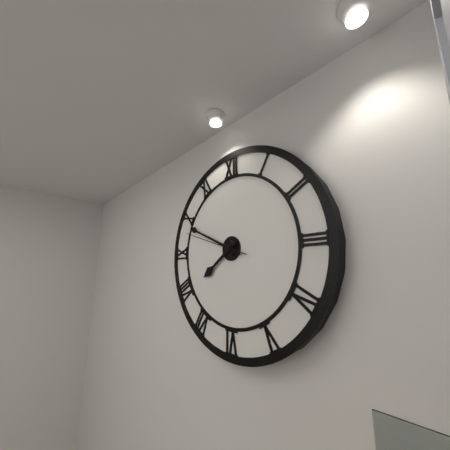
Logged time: 7,49,48
